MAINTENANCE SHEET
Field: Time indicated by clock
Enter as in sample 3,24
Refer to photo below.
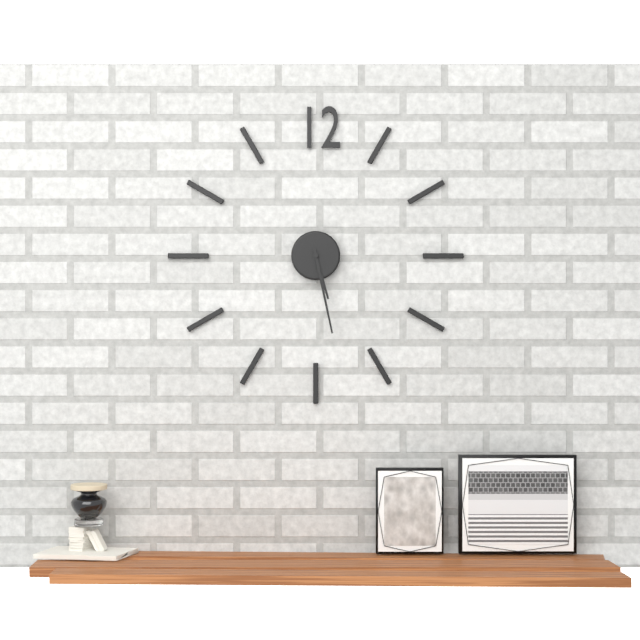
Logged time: 5,28
